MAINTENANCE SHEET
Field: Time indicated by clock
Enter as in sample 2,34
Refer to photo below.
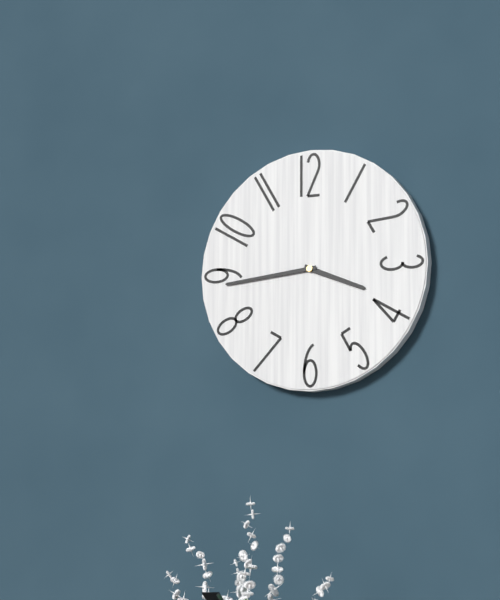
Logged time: 3,44
